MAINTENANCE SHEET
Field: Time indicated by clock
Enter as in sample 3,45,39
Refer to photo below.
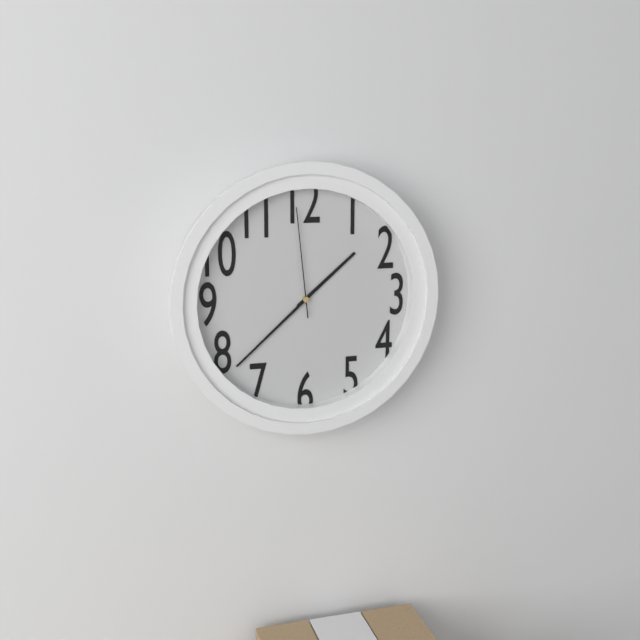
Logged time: 1,38,59
